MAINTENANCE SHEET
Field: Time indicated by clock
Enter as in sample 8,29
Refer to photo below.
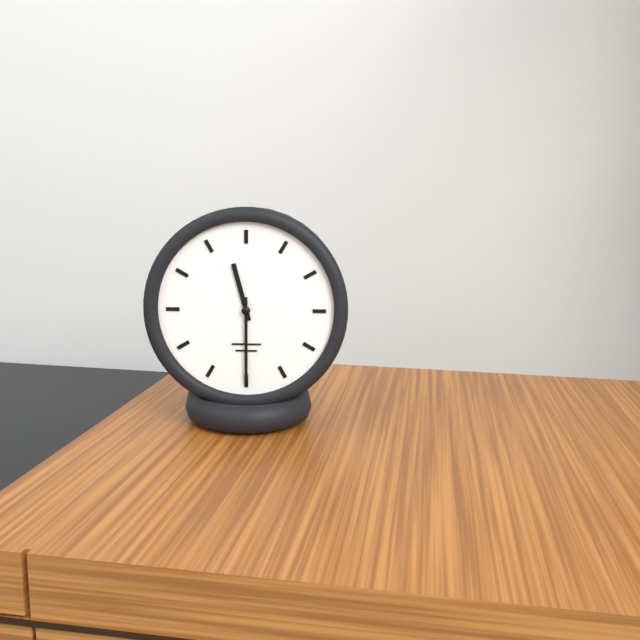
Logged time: 11,30
